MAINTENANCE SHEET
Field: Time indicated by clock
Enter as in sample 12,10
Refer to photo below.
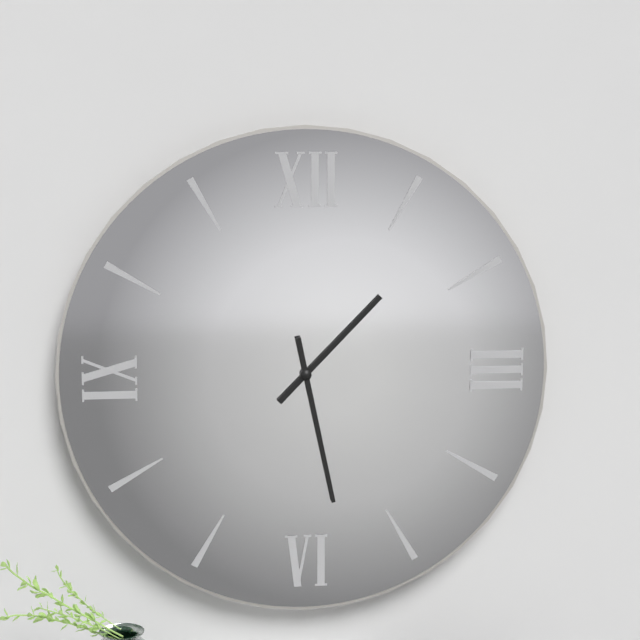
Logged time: 1,28
